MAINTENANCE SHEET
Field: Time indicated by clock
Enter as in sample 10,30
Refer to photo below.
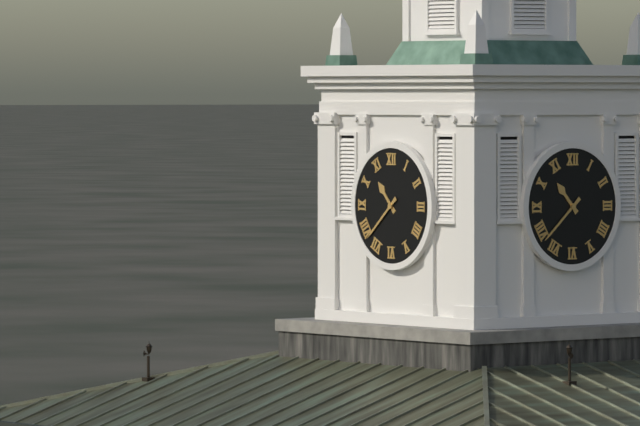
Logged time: 10,38
